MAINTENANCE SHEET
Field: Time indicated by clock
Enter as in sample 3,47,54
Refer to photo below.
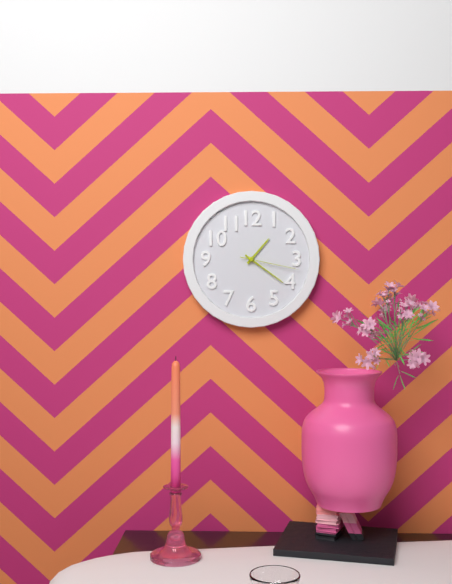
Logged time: 1,21,17
